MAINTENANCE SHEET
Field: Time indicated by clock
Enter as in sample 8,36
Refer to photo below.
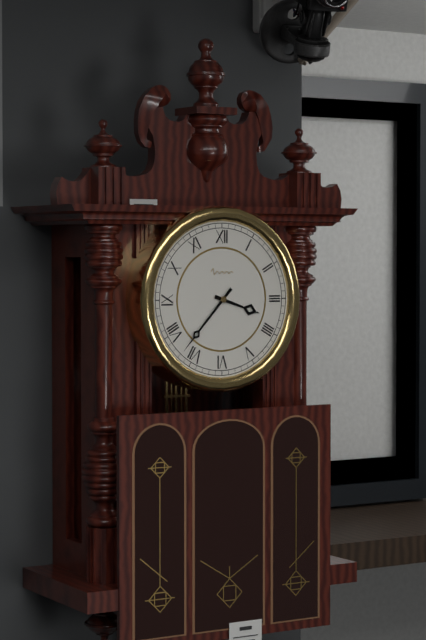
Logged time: 3,37
